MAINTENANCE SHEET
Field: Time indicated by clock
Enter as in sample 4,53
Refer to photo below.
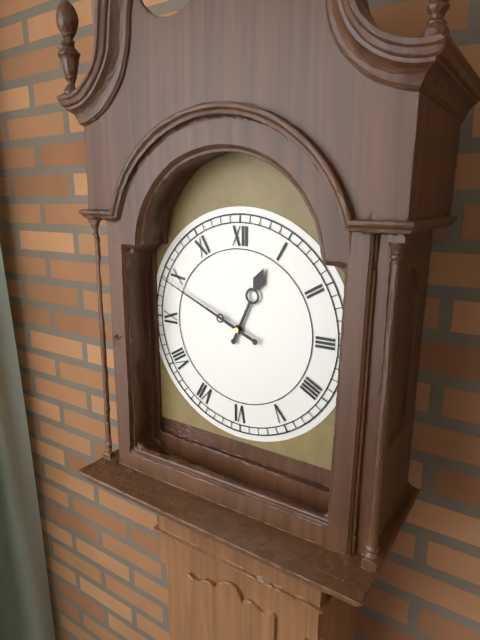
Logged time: 12,49
